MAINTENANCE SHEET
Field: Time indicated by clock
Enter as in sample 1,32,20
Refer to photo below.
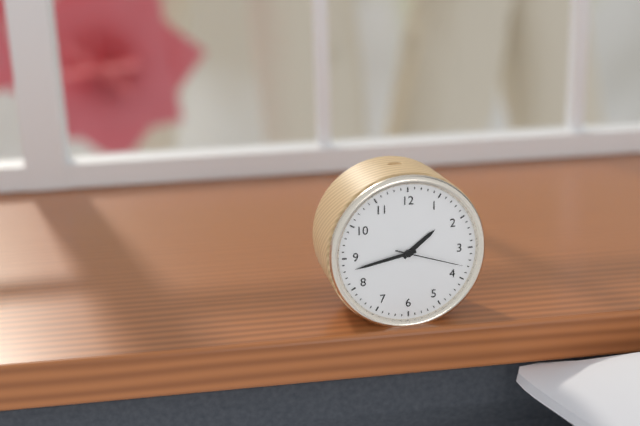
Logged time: 1,43,18
